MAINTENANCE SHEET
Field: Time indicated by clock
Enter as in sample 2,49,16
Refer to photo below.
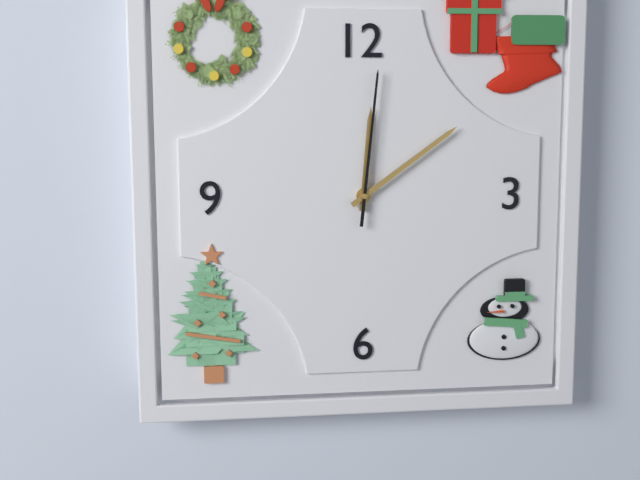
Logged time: 12,09,01
